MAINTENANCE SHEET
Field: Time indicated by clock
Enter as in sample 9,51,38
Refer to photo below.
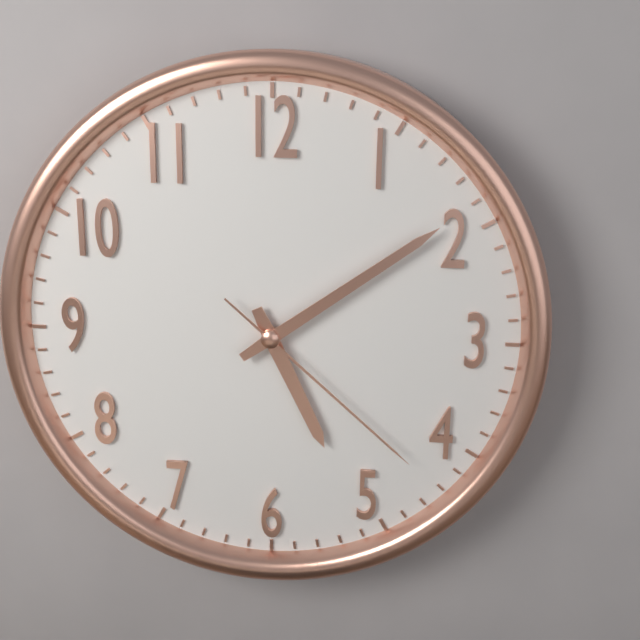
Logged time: 5,09,22
